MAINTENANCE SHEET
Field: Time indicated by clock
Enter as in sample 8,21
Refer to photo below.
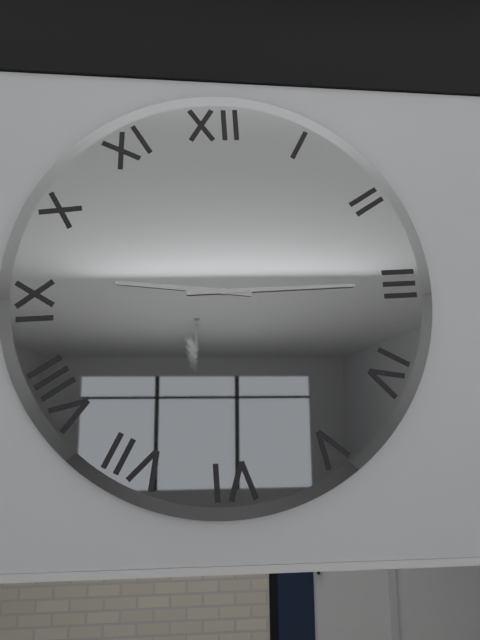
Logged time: 9,15
